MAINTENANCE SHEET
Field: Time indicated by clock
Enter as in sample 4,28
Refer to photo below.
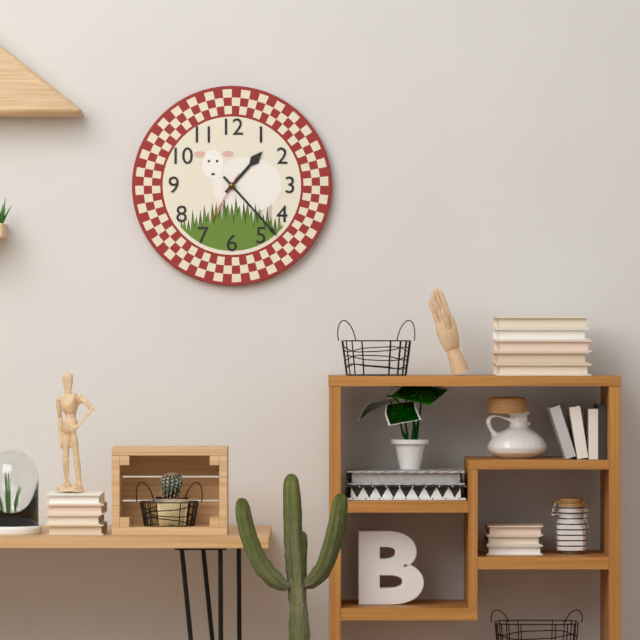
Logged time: 1,23
